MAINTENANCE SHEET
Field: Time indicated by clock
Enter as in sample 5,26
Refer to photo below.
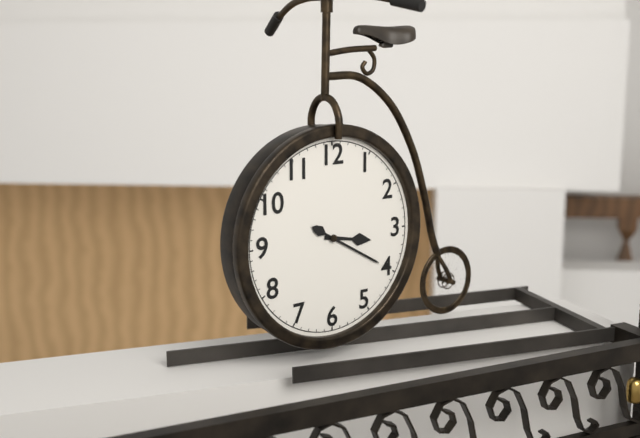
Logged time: 3,20
